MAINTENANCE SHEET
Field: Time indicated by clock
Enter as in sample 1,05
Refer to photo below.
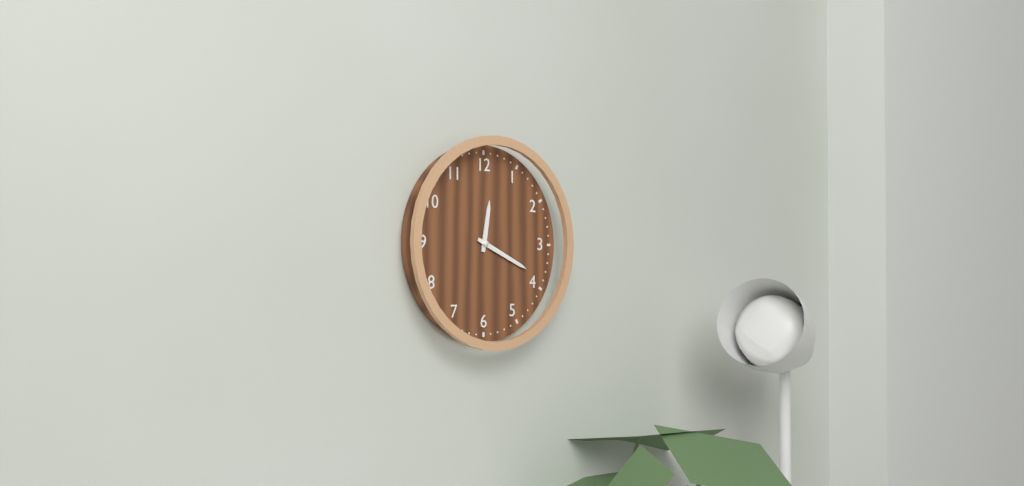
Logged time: 12,19
